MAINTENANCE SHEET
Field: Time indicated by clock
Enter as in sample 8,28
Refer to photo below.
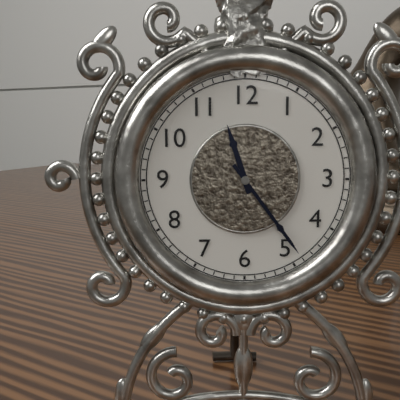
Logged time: 11,24
